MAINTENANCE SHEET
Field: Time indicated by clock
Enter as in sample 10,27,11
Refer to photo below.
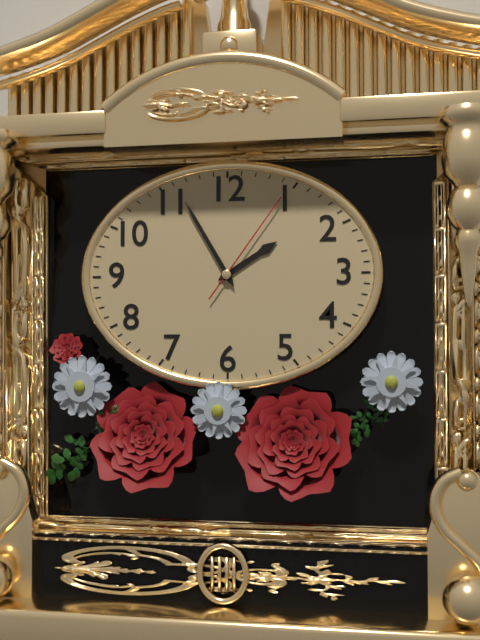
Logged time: 1,55,06
